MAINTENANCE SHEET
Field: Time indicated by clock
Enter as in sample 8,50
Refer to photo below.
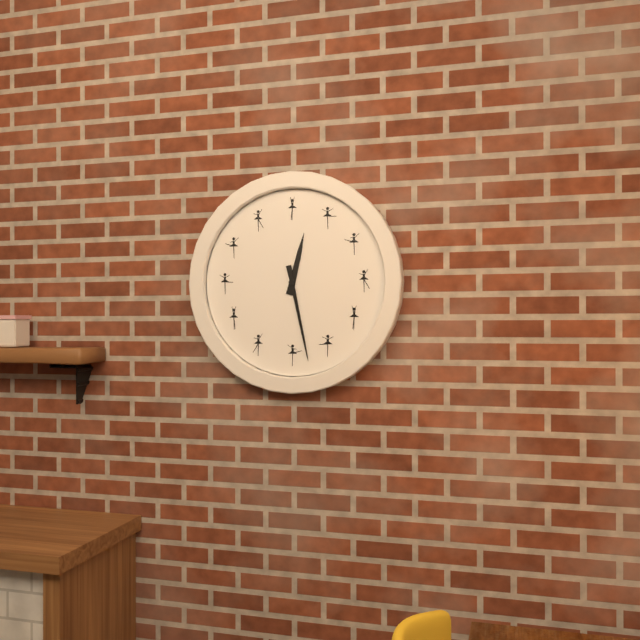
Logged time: 12,28
